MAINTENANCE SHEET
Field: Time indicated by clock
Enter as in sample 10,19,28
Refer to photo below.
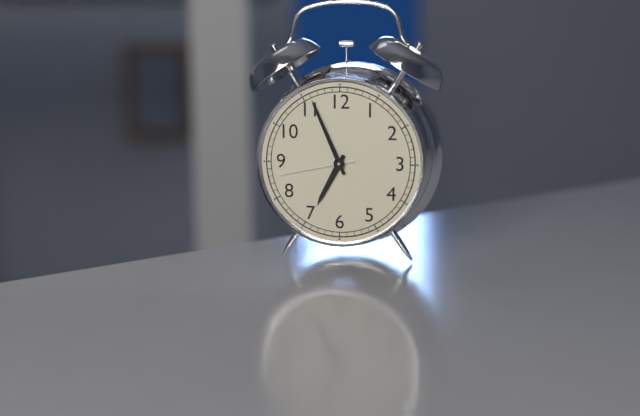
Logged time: 6,56,43
